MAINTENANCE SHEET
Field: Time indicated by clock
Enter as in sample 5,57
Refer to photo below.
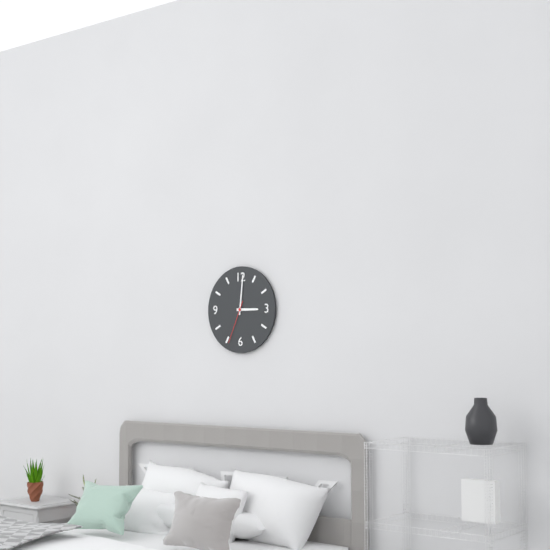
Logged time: 3,01
